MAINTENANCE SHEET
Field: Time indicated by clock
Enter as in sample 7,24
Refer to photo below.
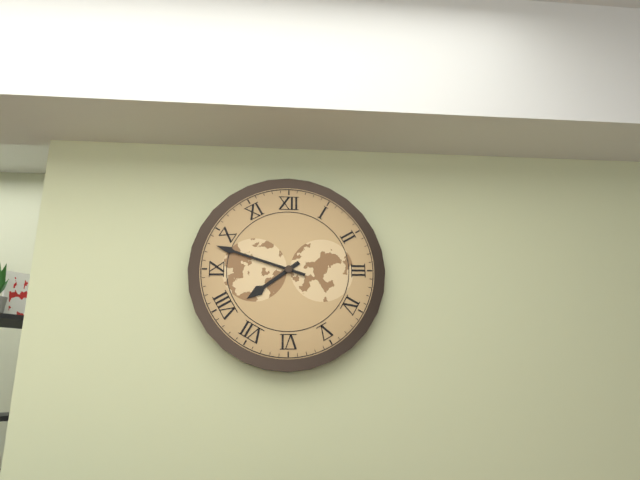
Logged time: 7,48
